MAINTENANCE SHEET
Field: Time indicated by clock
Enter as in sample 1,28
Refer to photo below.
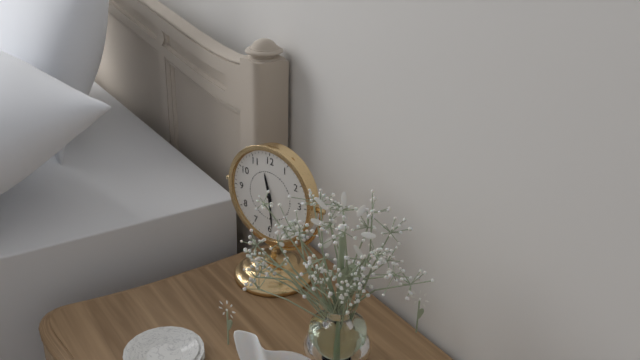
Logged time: 11,29
